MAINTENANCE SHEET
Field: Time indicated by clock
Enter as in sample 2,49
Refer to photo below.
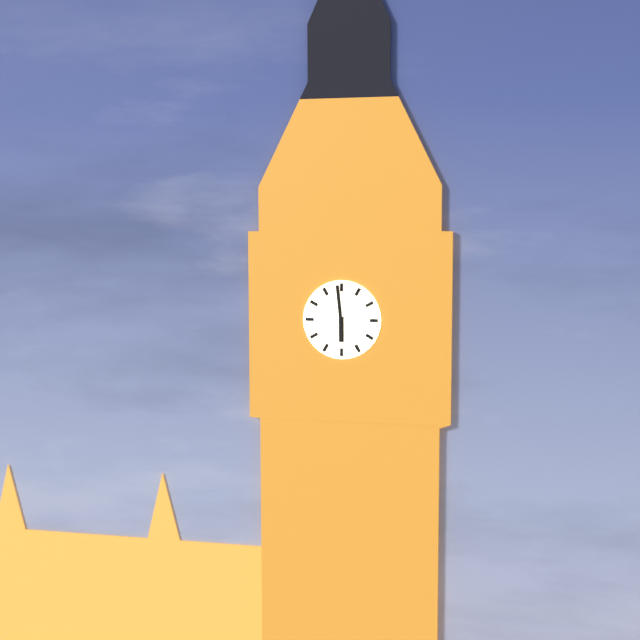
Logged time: 5,59
